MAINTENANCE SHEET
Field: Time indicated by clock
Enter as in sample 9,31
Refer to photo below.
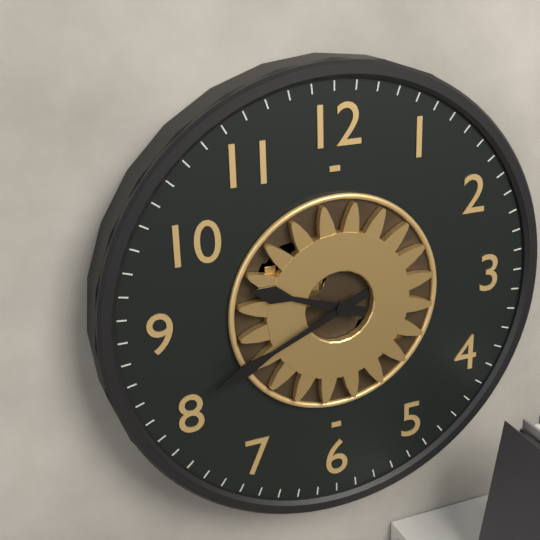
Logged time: 9,41
